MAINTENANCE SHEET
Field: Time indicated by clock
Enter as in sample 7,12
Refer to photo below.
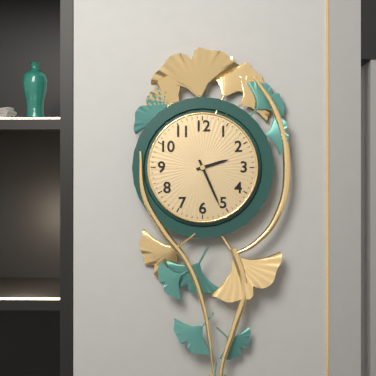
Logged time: 2,26
